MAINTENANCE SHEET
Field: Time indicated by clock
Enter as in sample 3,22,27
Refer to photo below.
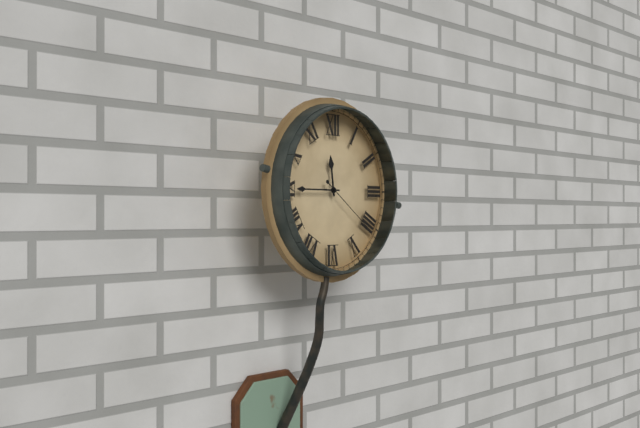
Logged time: 11,45,21
